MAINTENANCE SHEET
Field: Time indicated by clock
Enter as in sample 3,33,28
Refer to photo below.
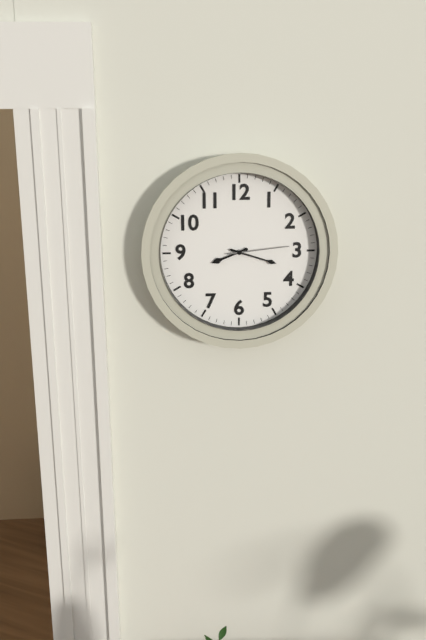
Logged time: 8,18,14
